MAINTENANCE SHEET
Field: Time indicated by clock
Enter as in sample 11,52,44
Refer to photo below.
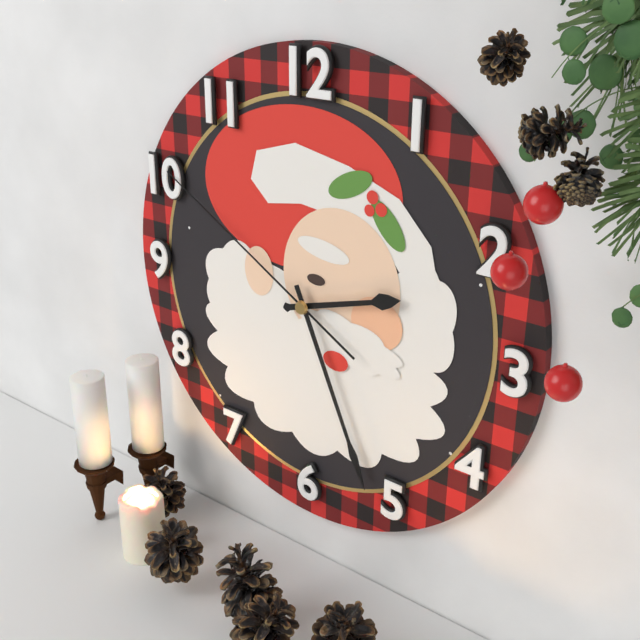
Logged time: 2,26,50
